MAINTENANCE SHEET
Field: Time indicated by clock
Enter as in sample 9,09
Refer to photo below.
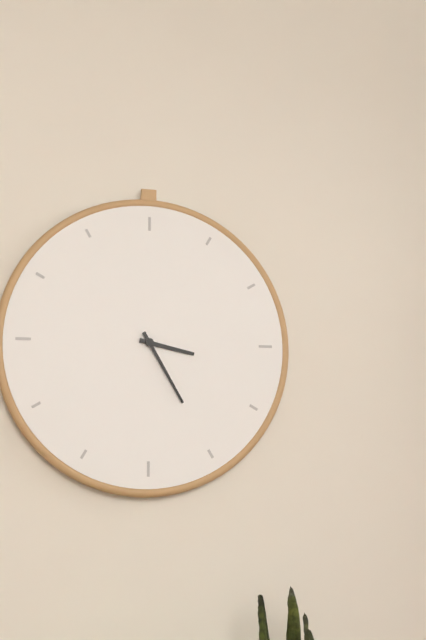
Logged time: 3,25
